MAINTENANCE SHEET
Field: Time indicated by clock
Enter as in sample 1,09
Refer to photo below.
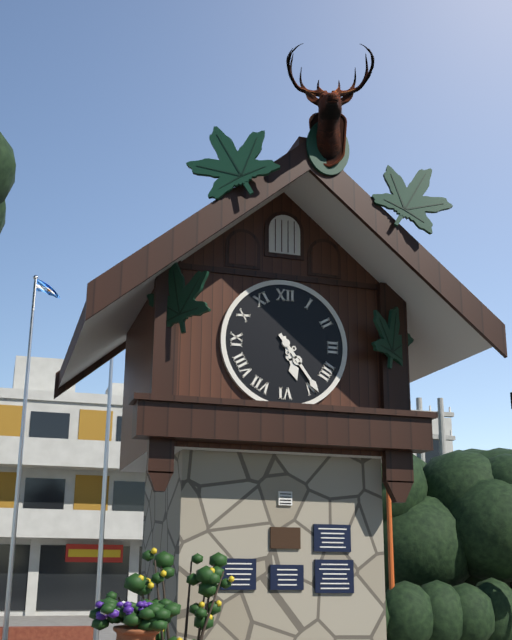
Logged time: 5,24
